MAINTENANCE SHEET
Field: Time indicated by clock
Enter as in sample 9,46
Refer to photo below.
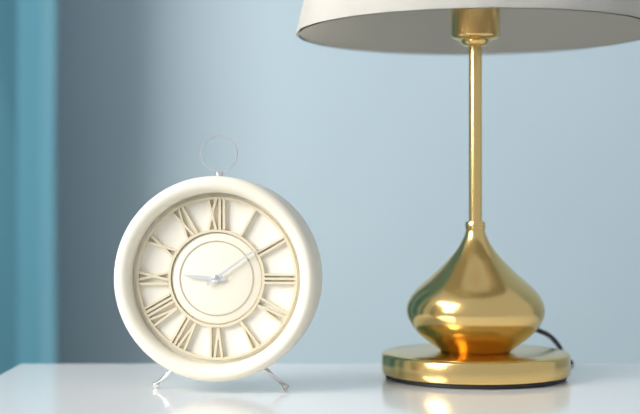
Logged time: 9,09
